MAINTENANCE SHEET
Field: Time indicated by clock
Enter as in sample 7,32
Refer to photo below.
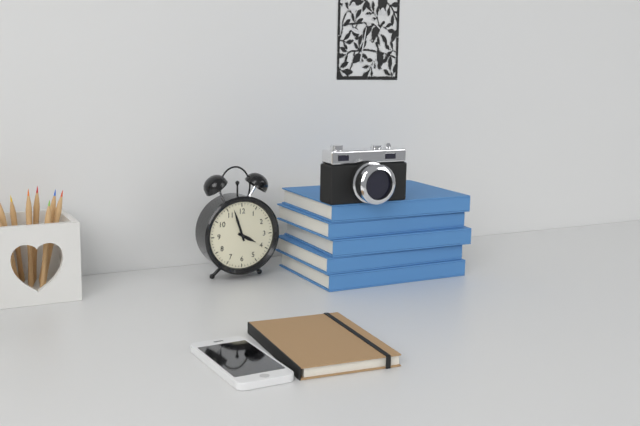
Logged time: 3,57
